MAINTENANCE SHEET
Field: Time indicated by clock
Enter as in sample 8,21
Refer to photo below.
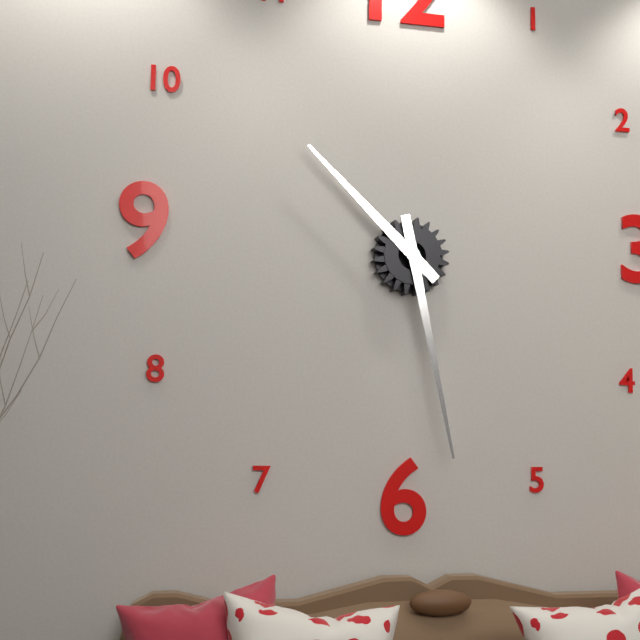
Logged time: 10,28
